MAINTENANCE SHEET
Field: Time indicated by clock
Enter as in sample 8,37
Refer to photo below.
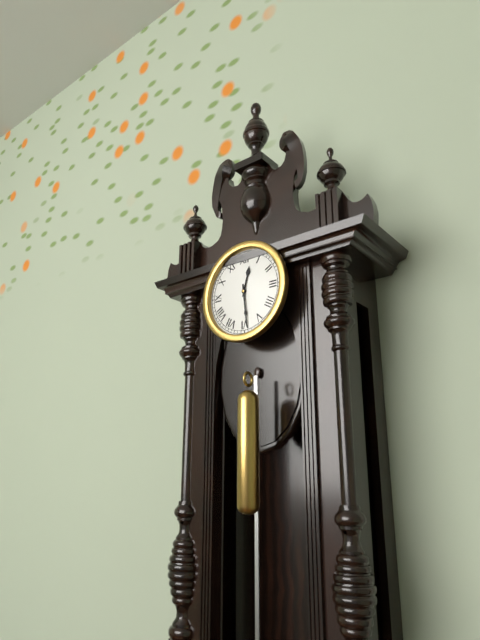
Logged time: 12,29
